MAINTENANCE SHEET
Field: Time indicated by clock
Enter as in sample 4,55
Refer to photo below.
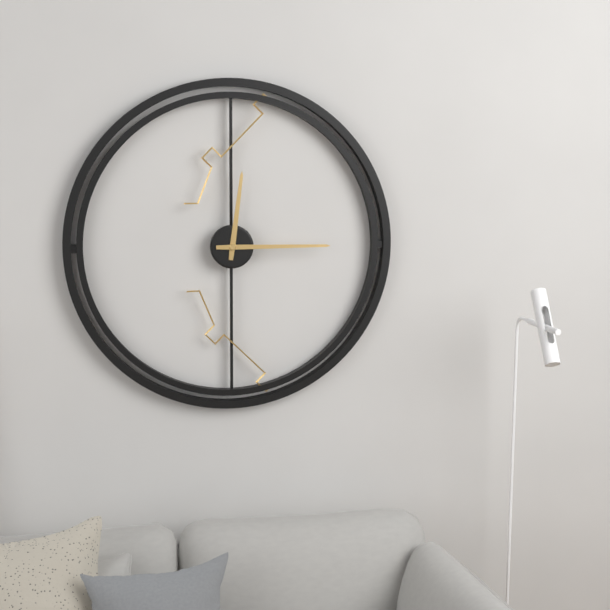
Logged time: 12,15
